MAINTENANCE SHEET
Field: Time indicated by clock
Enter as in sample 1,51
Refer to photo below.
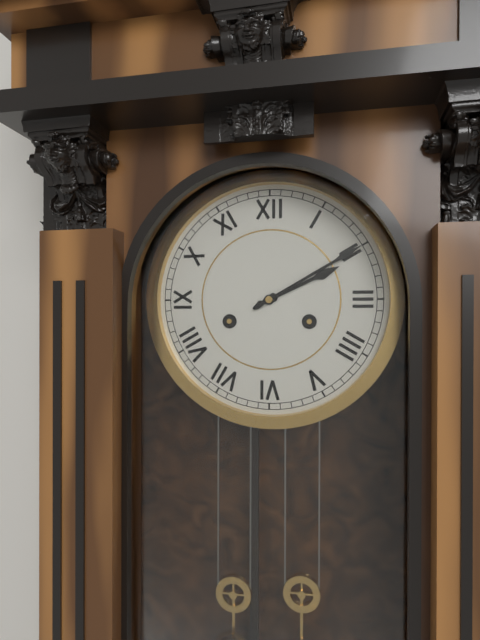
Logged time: 2,10
